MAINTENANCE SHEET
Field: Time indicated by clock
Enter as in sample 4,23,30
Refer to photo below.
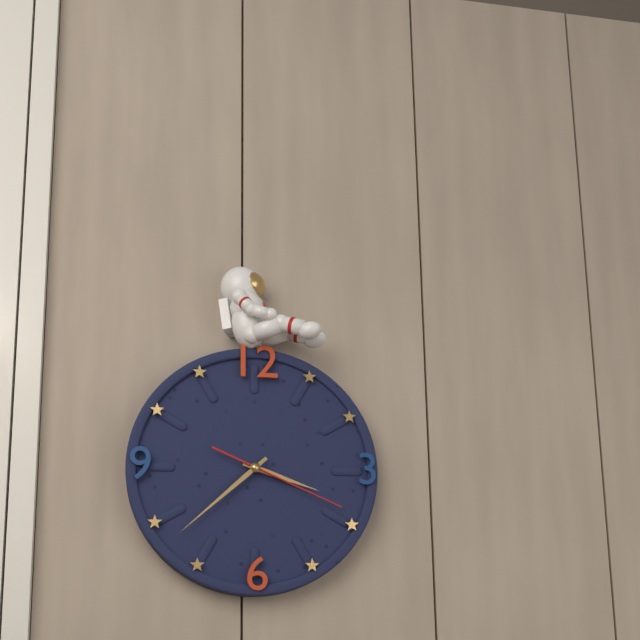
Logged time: 3,38,19
